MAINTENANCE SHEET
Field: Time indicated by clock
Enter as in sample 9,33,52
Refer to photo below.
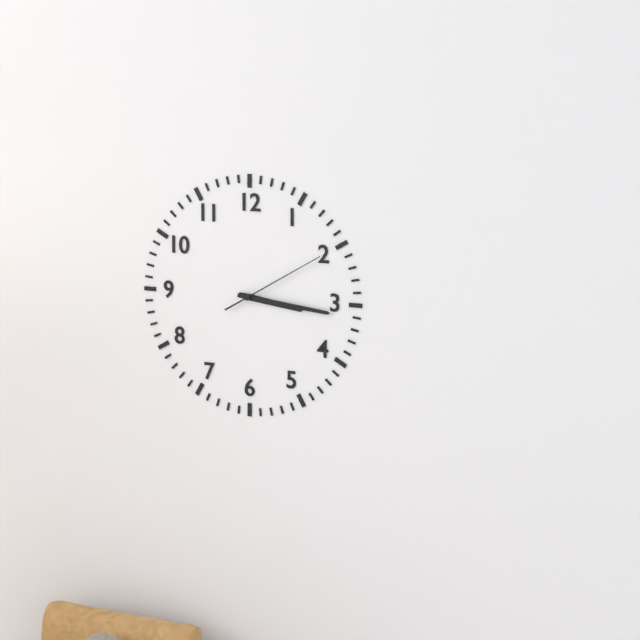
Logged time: 3,16,10
